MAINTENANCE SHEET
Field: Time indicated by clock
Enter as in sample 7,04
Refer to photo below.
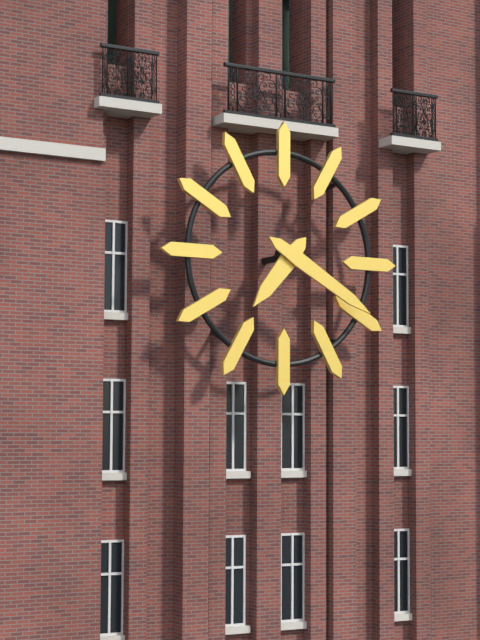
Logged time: 7,20
